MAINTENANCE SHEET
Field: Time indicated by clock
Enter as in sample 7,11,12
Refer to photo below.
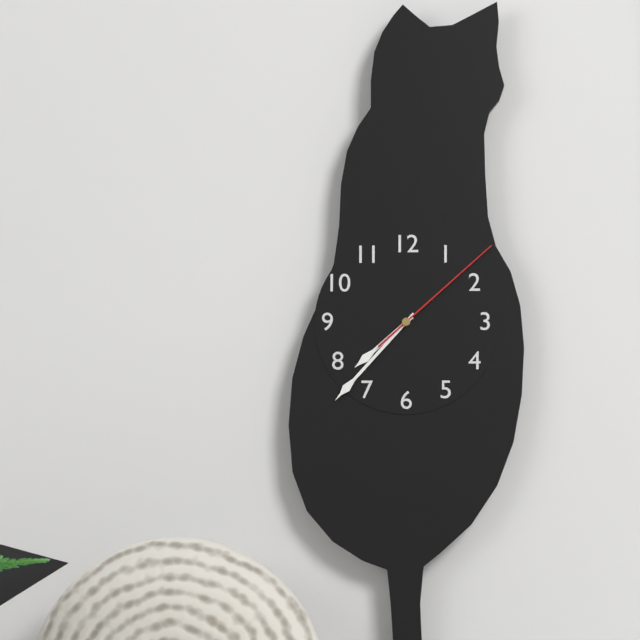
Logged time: 7,37,08
